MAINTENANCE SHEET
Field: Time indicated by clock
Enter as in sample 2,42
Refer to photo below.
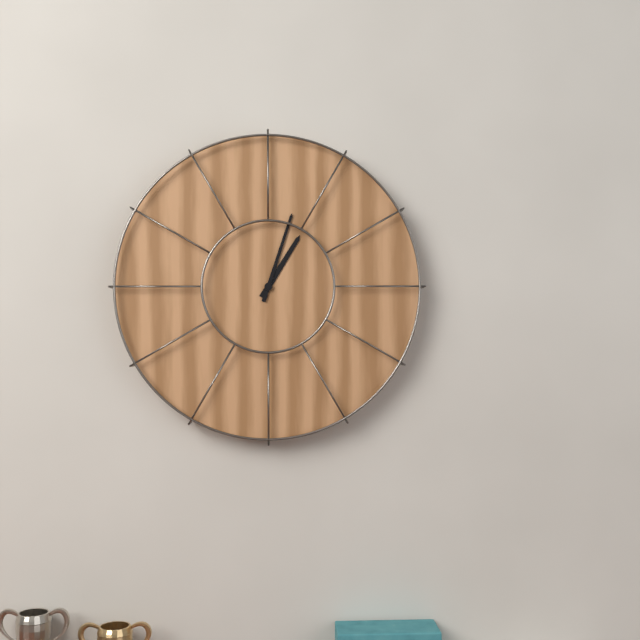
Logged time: 1,03
